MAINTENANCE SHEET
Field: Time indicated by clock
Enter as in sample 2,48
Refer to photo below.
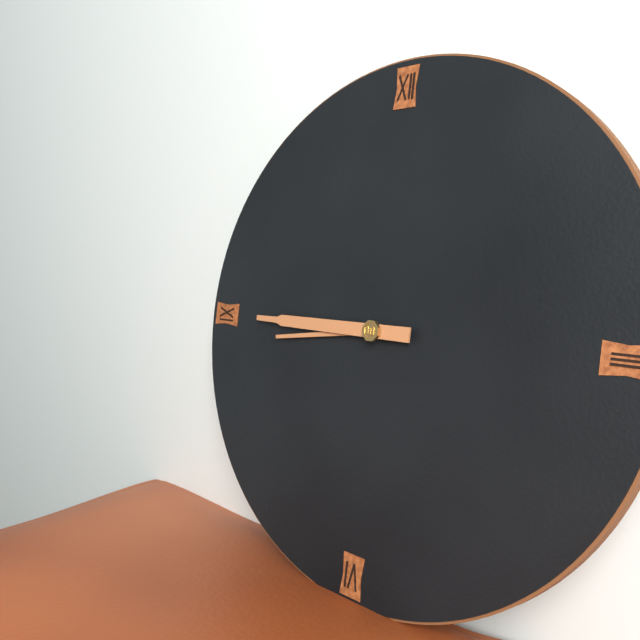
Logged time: 8,45
